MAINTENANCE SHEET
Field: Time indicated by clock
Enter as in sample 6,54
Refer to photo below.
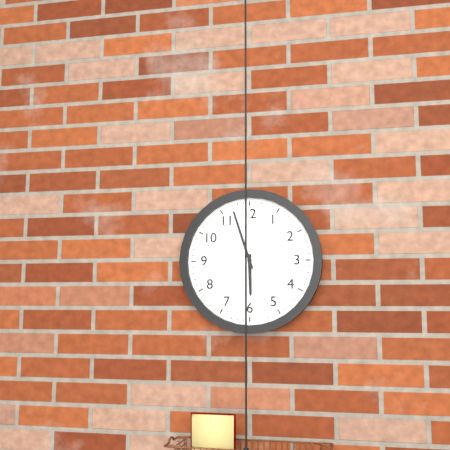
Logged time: 5,57
